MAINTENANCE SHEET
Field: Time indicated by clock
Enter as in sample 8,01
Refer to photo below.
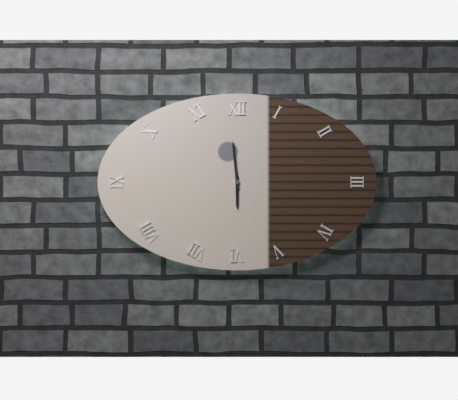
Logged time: 5,59
